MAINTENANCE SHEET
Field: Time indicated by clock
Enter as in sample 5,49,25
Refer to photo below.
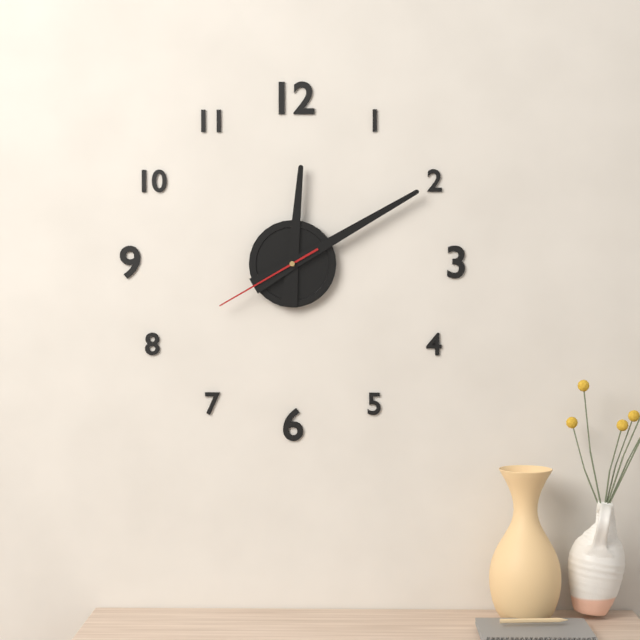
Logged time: 12,10,40
